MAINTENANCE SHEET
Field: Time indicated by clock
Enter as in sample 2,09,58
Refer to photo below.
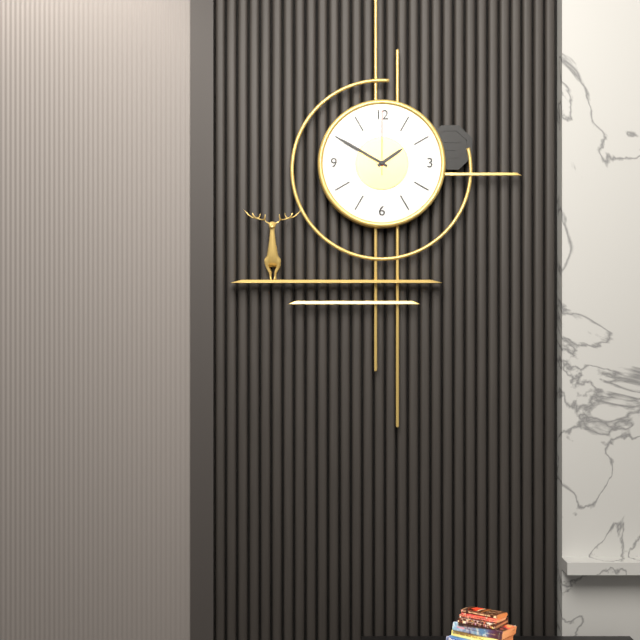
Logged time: 1,50,00
